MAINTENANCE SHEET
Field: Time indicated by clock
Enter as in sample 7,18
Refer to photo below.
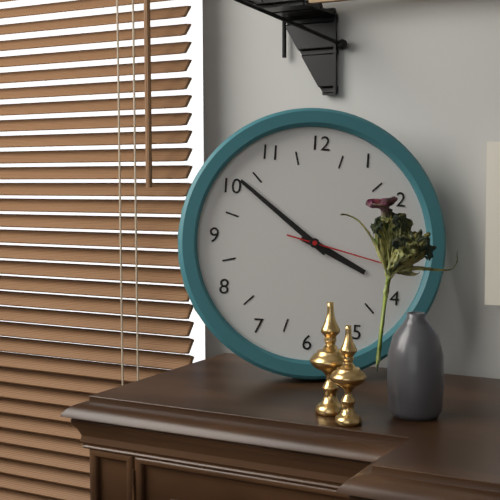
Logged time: 3,51
